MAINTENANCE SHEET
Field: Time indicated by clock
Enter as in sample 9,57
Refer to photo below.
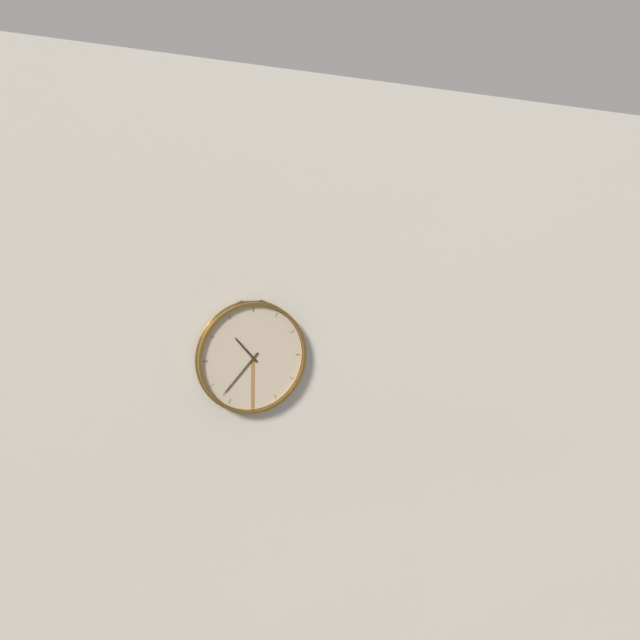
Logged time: 10,37
